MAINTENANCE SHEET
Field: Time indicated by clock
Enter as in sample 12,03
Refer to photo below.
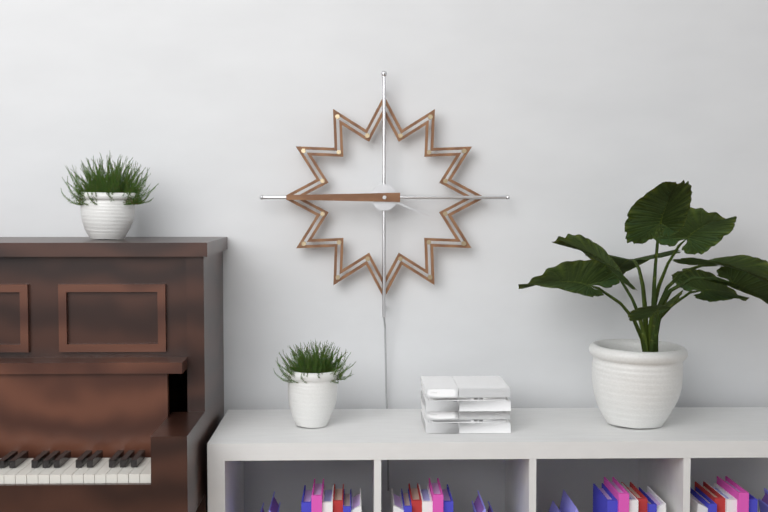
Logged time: 3,45
